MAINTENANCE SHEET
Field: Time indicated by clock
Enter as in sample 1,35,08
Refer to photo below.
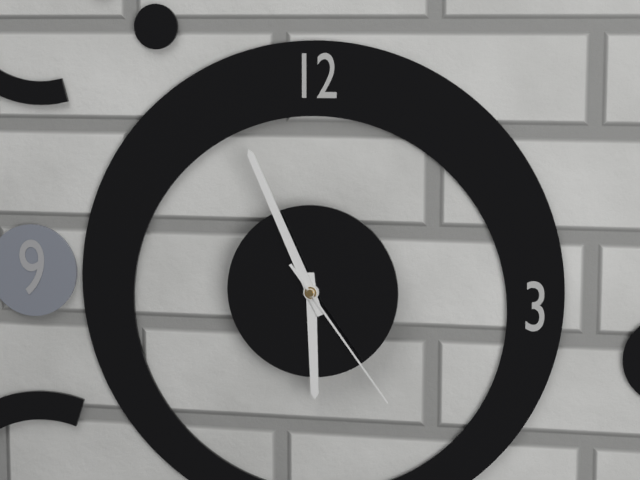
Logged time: 5,56,24
